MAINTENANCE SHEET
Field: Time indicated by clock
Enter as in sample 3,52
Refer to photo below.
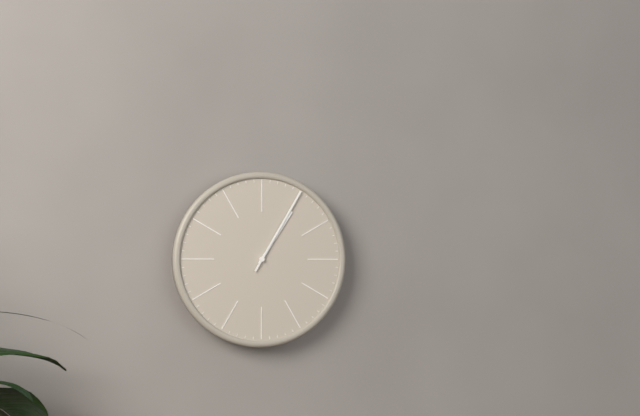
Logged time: 1,05
